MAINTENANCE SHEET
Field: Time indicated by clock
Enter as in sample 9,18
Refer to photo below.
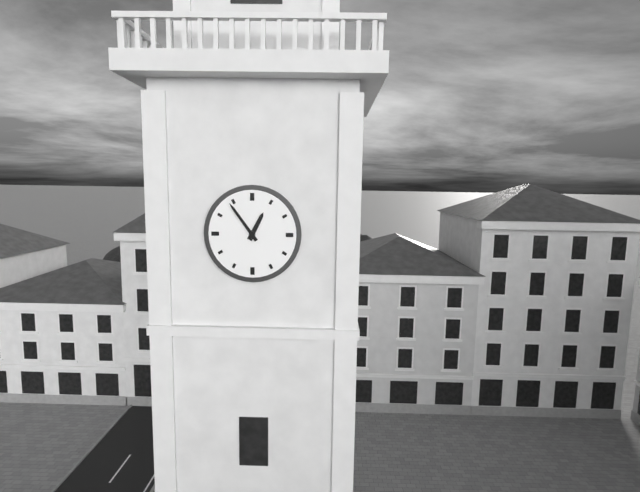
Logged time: 12,54
